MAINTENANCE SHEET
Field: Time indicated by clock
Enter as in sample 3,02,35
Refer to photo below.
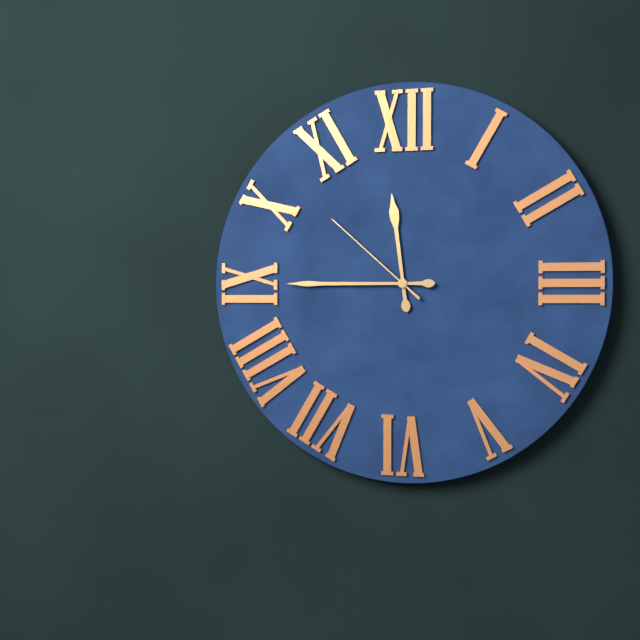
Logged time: 11,45,52
